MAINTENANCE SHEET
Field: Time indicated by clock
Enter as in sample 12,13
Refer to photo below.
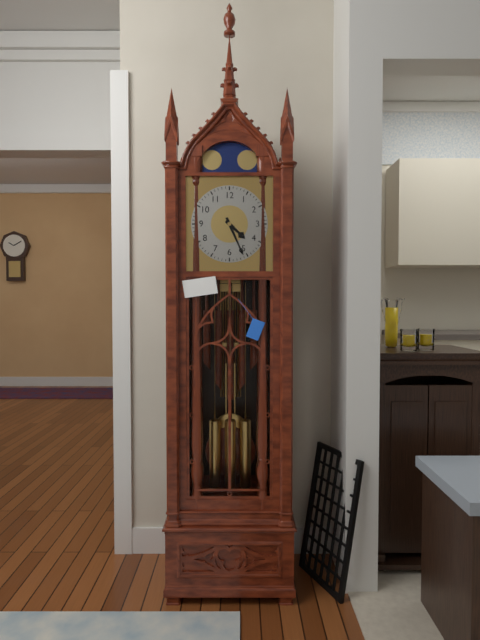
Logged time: 4,26
